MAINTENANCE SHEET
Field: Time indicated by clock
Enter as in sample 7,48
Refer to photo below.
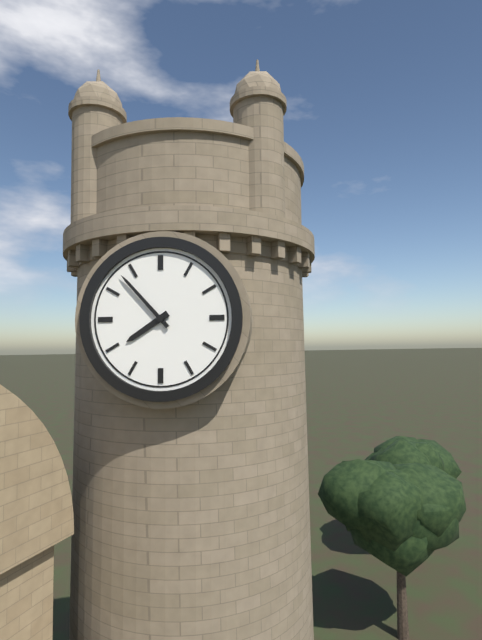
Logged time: 7,53
